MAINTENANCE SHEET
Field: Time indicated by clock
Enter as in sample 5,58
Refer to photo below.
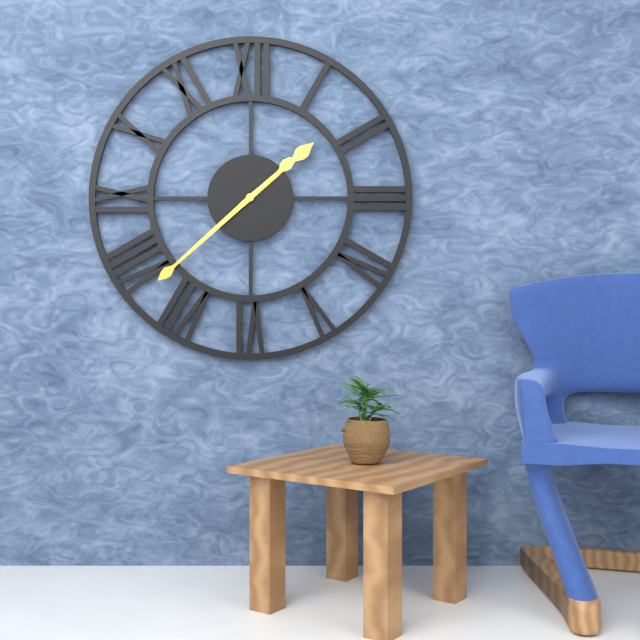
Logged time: 1,38
